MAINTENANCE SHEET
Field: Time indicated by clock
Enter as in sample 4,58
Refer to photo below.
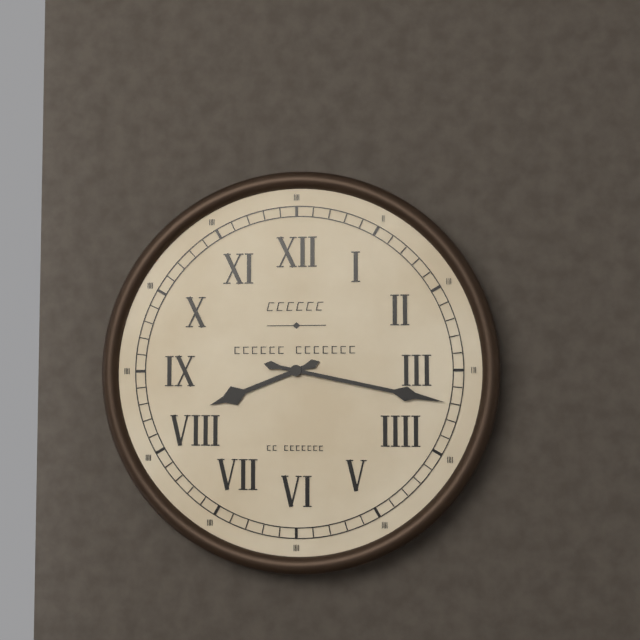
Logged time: 8,17
